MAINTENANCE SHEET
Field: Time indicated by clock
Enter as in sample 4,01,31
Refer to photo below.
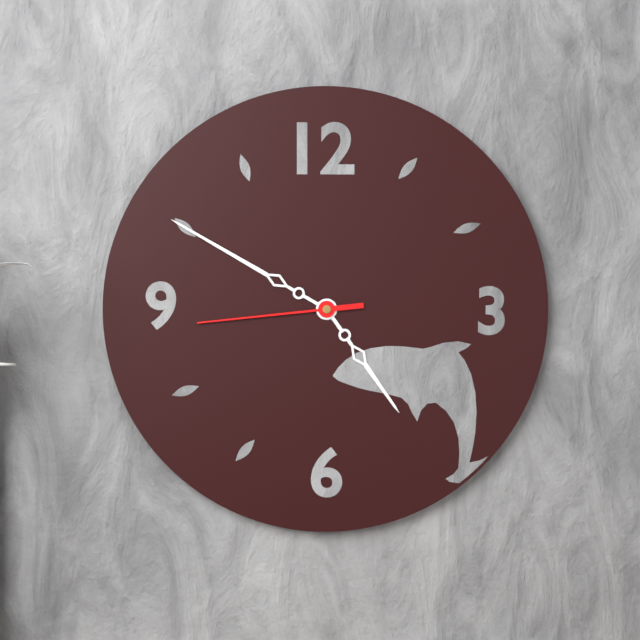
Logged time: 4,50,44
